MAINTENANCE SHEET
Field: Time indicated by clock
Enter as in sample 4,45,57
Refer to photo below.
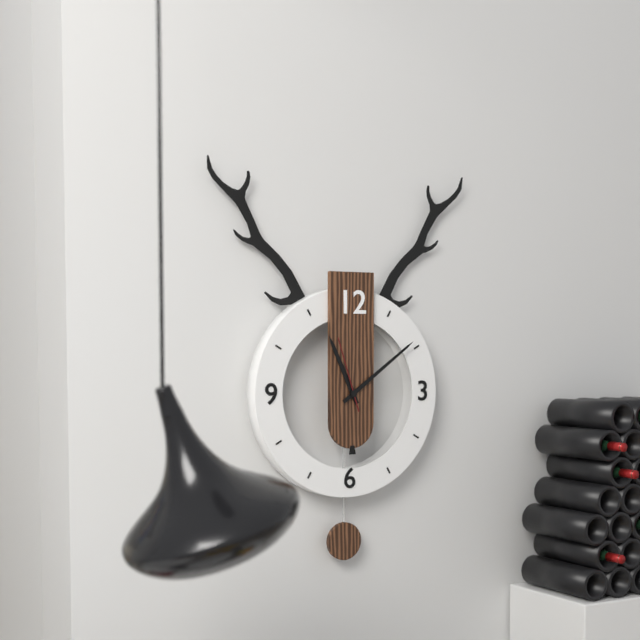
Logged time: 11,09,57
